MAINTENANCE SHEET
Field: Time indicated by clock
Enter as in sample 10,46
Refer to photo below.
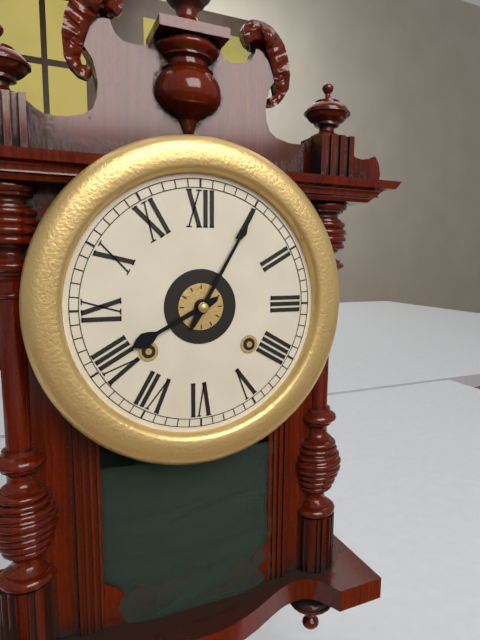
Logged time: 8,05
